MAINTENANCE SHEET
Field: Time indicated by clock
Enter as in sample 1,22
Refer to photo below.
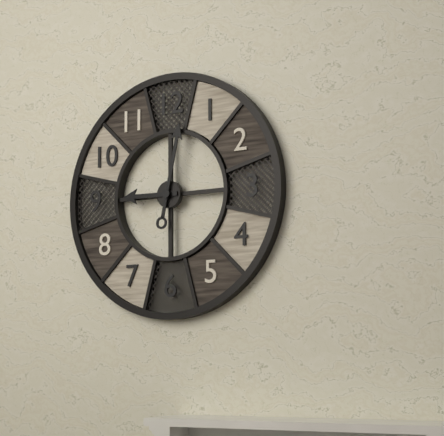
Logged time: 9,02
